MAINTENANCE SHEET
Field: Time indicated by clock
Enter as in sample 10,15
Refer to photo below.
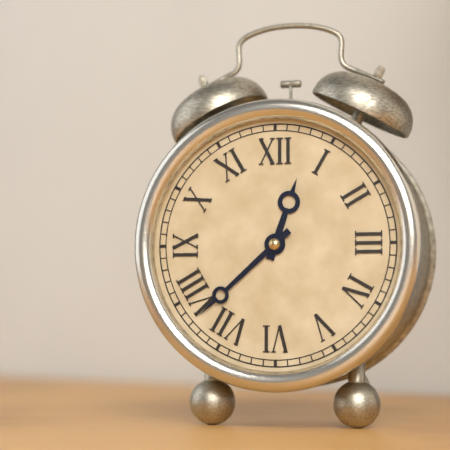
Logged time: 12,38
